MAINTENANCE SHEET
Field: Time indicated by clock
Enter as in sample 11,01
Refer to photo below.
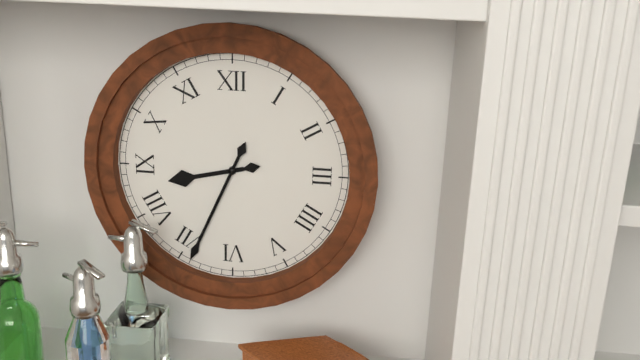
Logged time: 8,34
